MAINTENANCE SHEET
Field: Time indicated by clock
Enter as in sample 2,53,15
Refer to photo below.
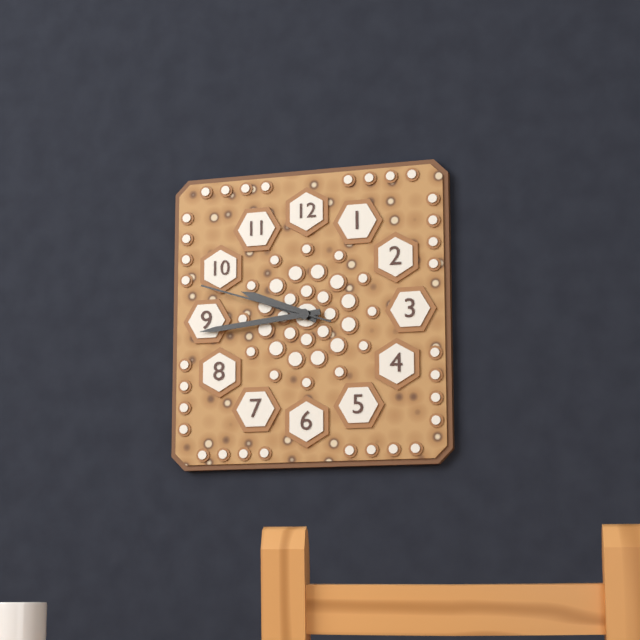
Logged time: 9,44,48
